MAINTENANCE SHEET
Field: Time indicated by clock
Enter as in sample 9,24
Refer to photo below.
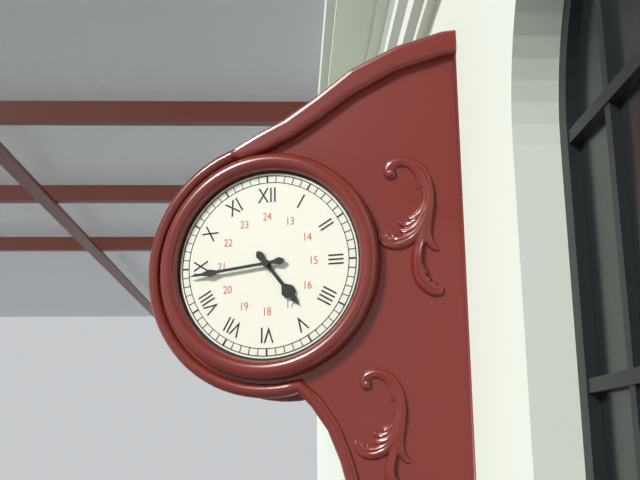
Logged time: 4,44
